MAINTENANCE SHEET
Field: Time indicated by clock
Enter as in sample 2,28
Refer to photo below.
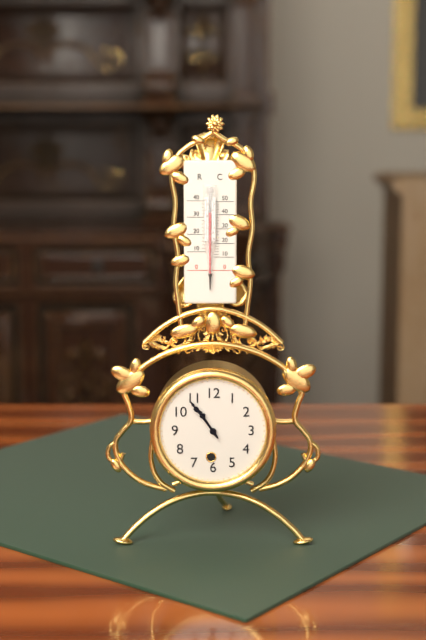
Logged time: 10,54
